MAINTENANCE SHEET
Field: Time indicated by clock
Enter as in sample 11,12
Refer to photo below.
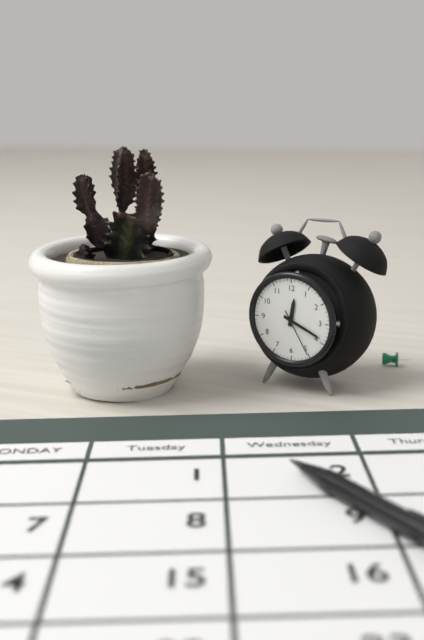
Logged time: 12,19
